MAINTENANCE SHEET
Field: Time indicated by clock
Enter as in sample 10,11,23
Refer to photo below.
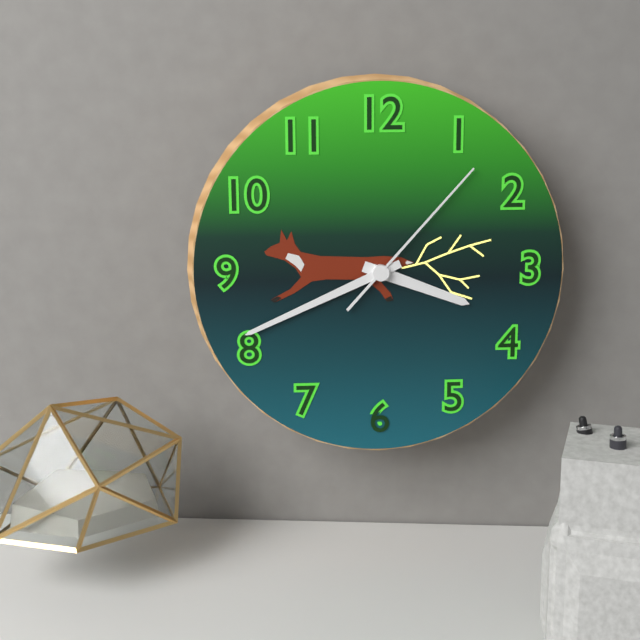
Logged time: 3,41,07
